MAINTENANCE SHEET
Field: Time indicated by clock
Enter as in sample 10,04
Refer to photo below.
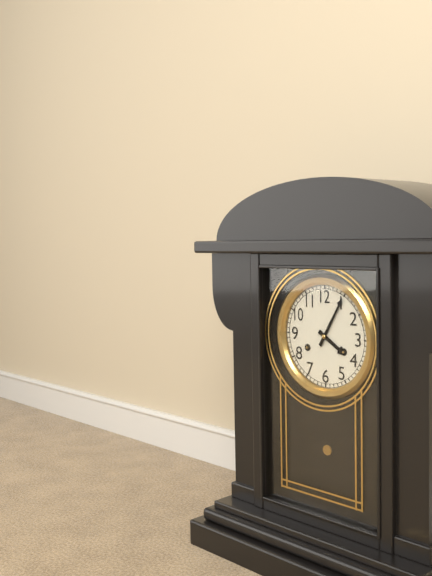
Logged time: 4,05
